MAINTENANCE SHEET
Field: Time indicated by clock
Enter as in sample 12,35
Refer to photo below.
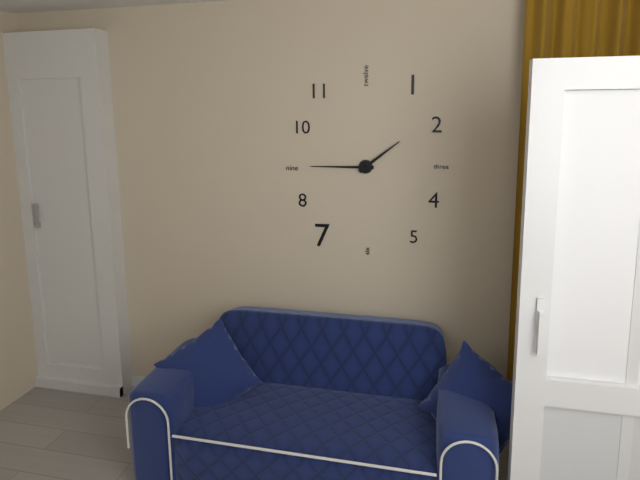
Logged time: 1,45
